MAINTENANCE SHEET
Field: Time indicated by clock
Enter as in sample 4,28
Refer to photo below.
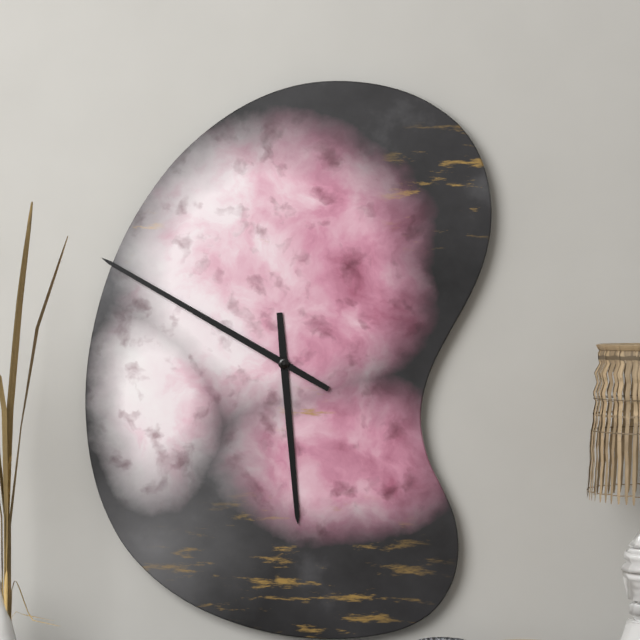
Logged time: 5,50
